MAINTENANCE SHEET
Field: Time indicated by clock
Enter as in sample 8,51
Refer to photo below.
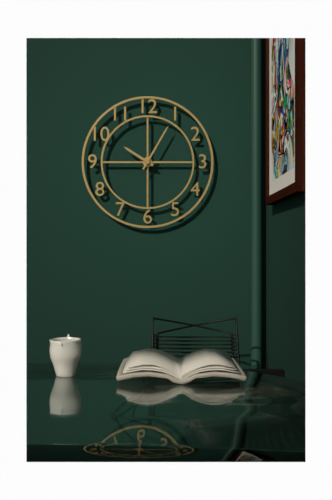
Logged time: 10,05
